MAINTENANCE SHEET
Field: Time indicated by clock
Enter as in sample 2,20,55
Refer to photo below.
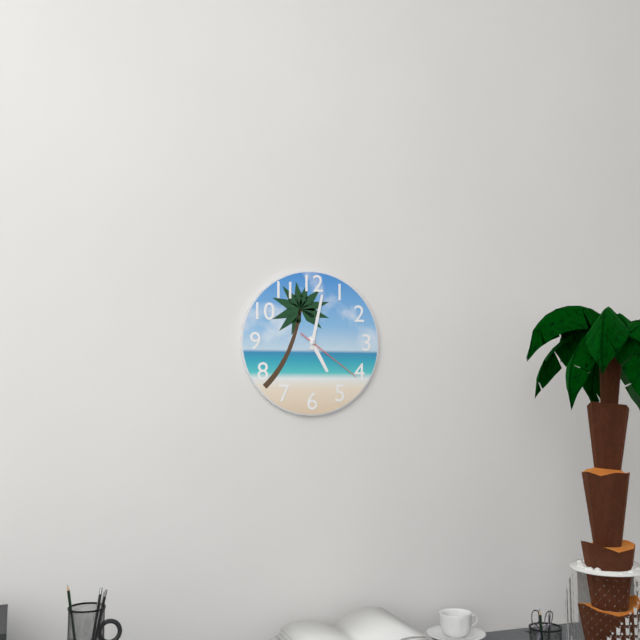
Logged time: 5,02,21
